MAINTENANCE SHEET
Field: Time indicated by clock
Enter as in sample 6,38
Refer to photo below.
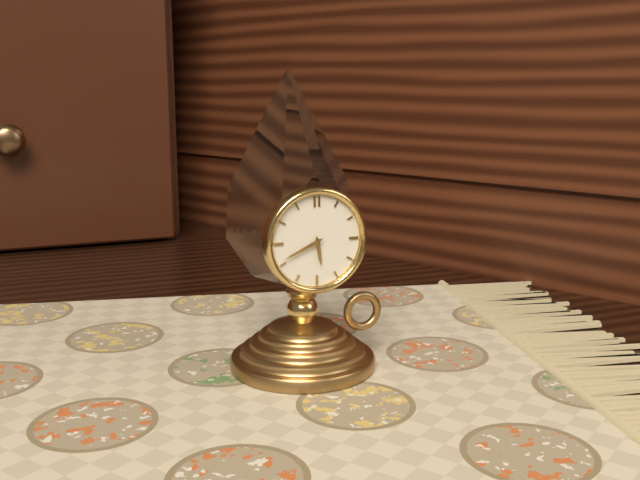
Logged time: 5,41
